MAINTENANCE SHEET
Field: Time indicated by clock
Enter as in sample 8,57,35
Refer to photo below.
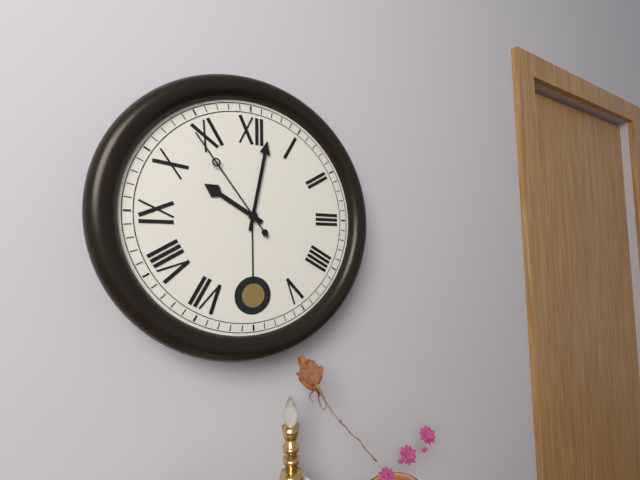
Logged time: 10,02,54
